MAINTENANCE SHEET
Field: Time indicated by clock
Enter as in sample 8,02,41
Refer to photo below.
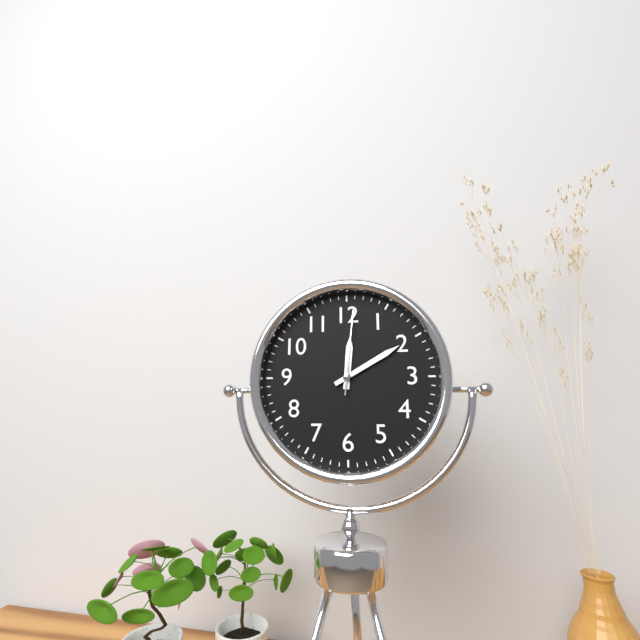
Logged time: 12,10,01
